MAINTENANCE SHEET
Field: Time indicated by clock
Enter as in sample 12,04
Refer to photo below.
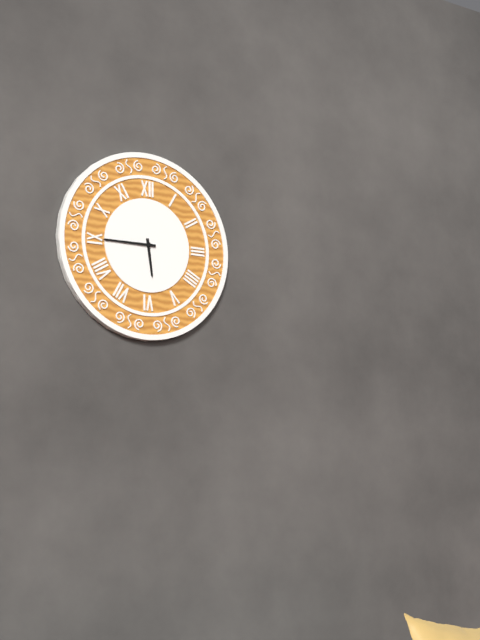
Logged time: 5,45
